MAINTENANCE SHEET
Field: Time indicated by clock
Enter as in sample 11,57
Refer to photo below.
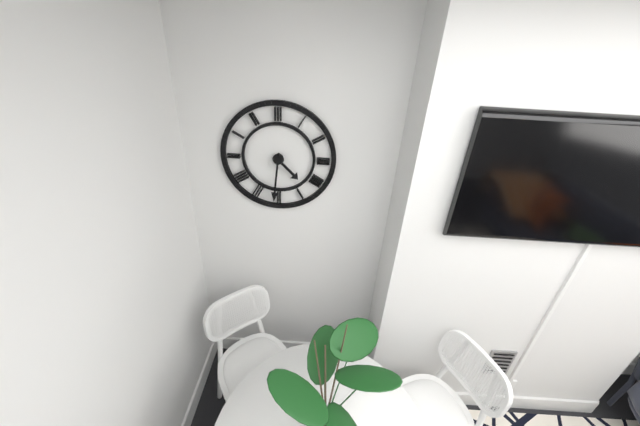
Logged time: 4,31
